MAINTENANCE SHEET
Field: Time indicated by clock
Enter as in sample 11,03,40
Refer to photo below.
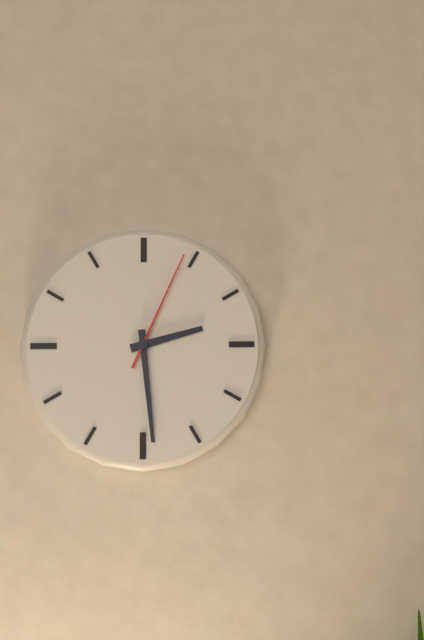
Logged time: 2,29,04
